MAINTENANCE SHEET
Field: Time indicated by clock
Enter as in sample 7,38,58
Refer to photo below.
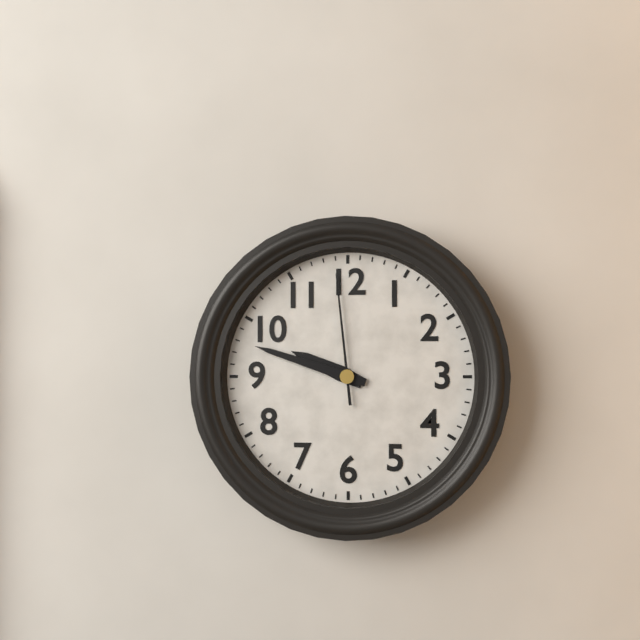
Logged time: 9,48,59
